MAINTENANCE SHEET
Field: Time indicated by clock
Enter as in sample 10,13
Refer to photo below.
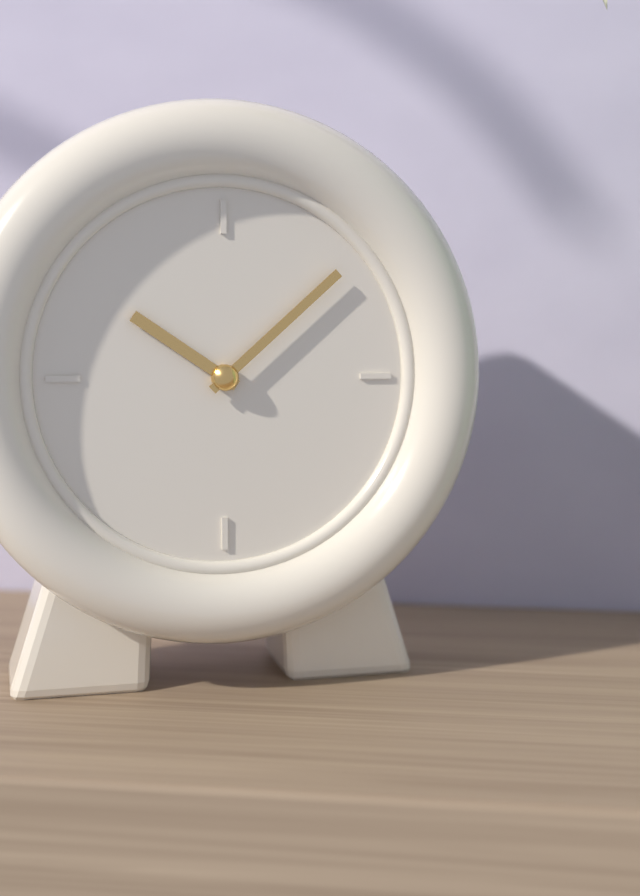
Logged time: 10,08
